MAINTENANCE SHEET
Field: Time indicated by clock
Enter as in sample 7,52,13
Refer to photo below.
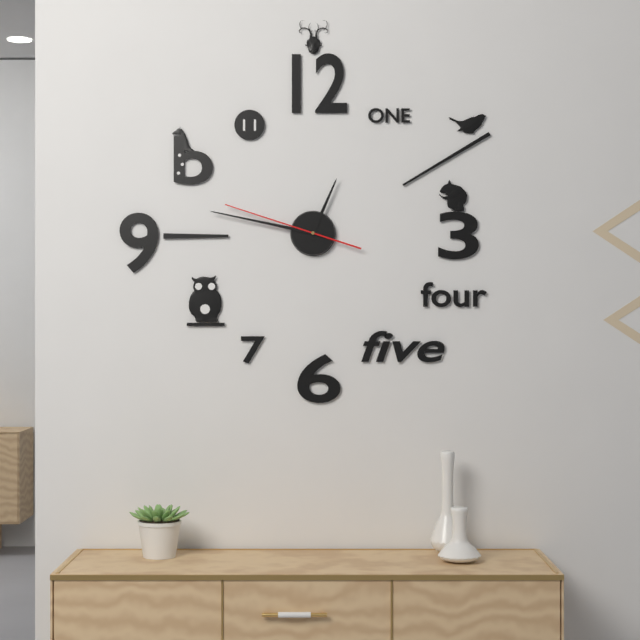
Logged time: 12,47,48
